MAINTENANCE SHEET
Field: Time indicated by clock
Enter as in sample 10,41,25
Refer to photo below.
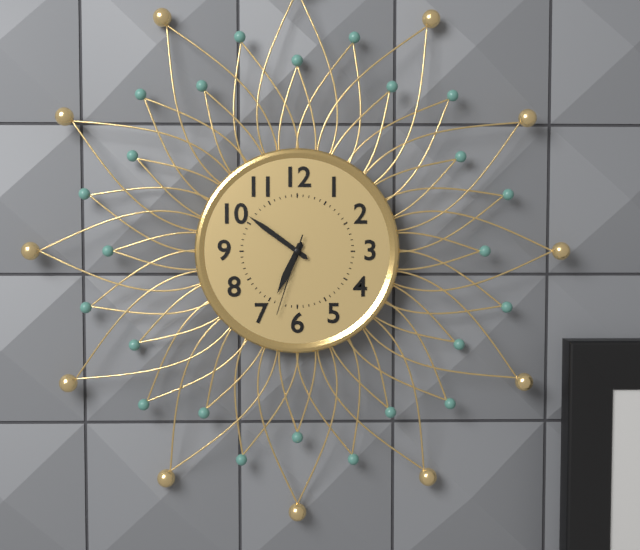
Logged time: 6,51,33
